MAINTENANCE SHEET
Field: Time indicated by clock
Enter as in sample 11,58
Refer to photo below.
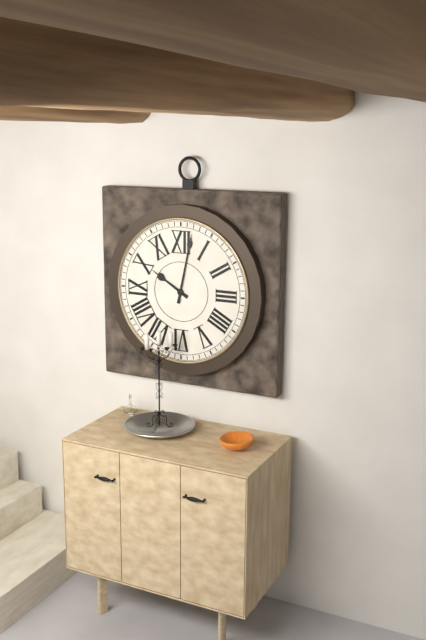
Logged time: 10,02
